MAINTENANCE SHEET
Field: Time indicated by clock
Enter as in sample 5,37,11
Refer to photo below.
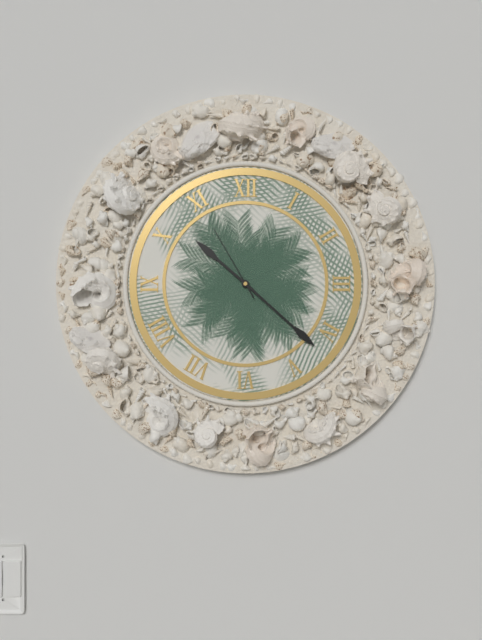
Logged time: 10,22,55
